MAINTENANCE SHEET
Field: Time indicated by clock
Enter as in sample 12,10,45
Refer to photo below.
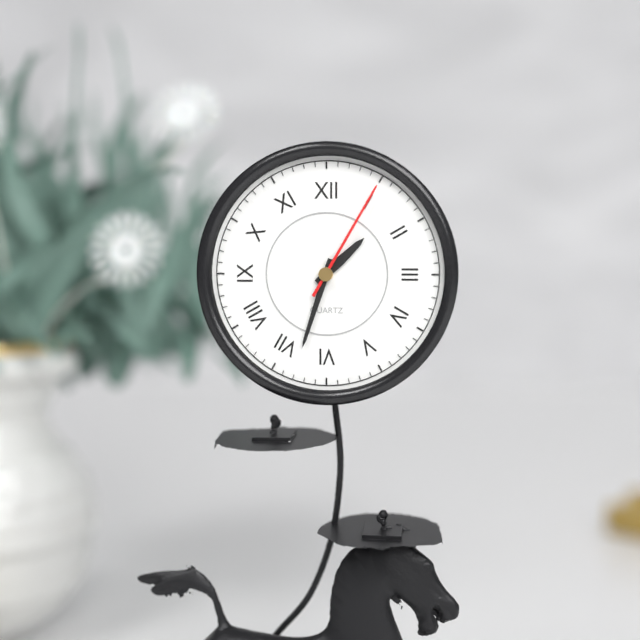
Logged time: 1,33,05
